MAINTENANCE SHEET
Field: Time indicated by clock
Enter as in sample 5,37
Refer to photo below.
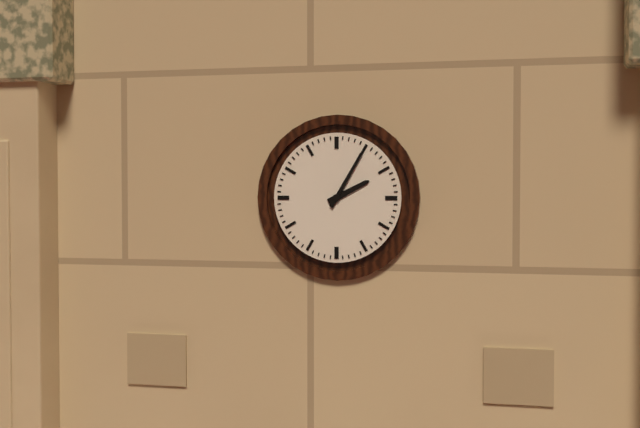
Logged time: 2,05
